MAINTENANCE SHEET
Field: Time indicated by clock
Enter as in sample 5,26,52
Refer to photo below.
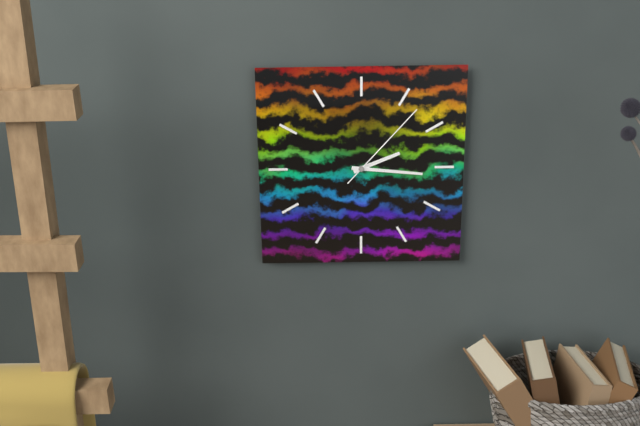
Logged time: 2,16,07
